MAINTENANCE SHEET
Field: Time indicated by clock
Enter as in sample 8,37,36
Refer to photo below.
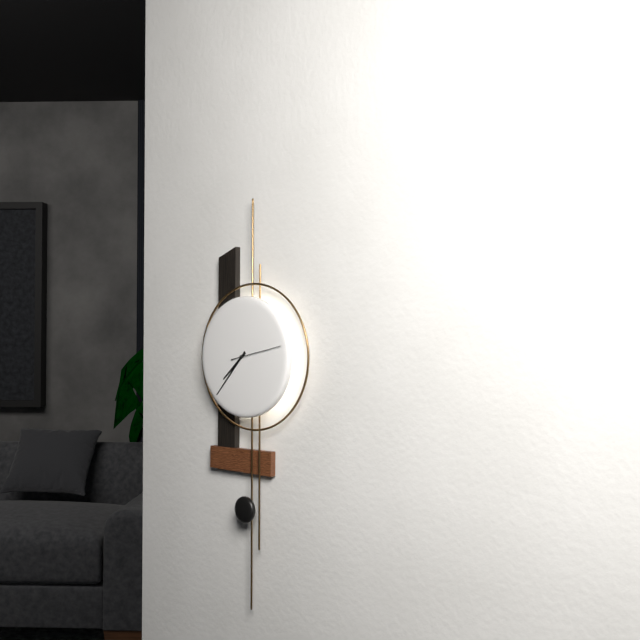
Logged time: 7,37,13
